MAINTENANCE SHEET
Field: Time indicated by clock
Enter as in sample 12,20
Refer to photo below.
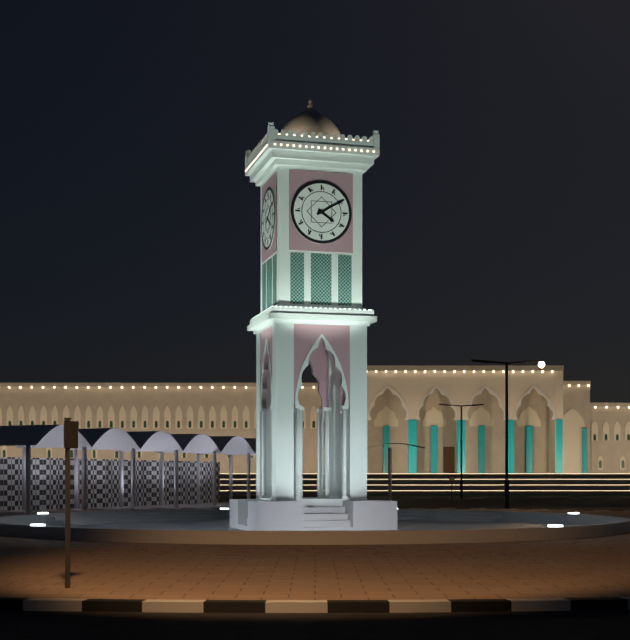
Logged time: 4,10
